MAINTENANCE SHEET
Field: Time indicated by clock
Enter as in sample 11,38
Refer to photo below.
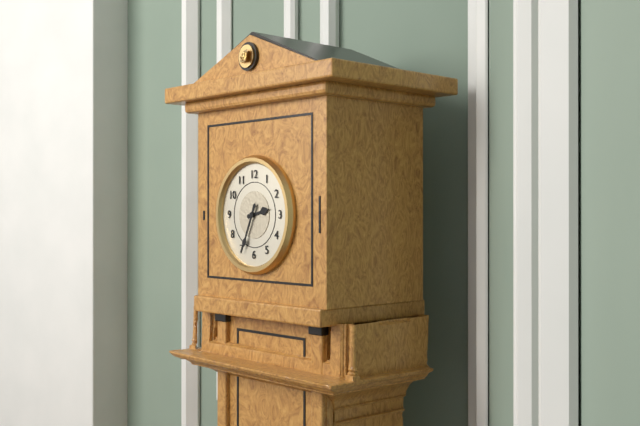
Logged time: 2,34
